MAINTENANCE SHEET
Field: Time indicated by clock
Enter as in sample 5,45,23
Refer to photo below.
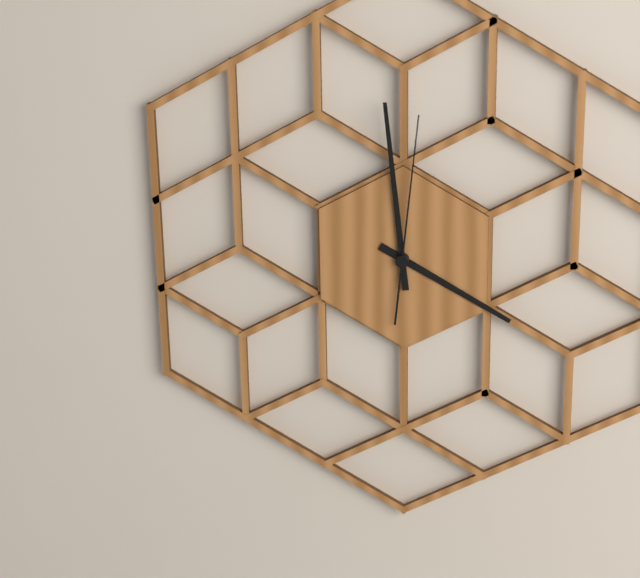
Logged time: 3,59,01
